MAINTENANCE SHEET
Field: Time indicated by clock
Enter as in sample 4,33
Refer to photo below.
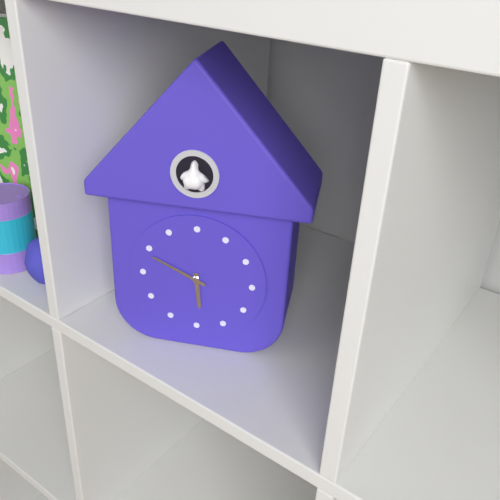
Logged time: 5,49
